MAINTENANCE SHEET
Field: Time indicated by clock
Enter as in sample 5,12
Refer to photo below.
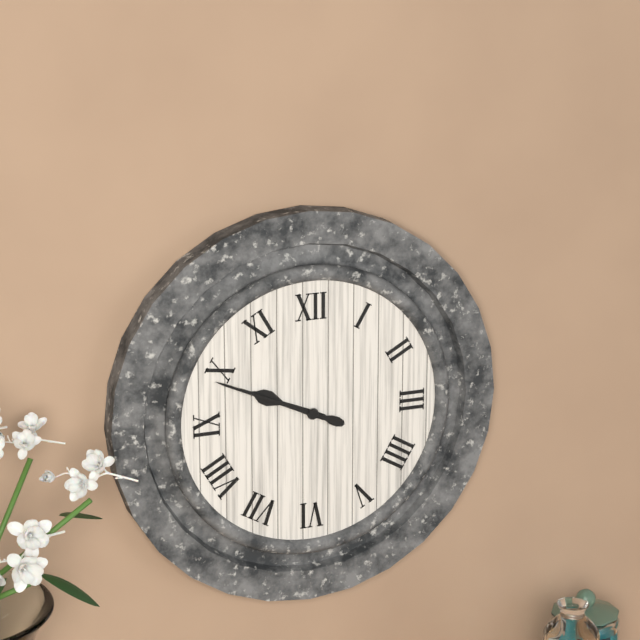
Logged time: 9,49
